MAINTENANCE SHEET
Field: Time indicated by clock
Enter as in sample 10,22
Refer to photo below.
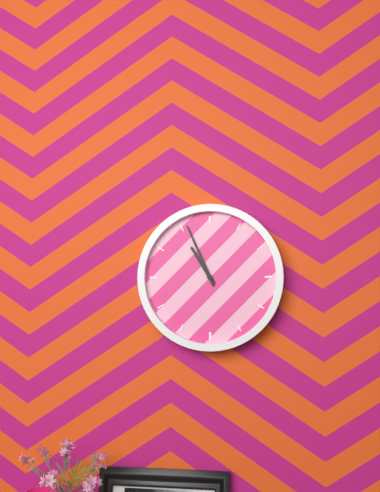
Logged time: 10,56
